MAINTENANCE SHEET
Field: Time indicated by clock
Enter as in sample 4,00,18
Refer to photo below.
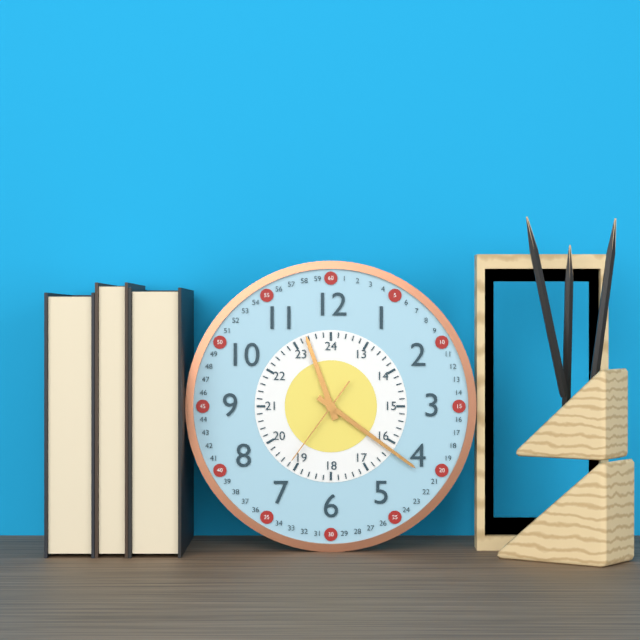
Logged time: 11,21,36
